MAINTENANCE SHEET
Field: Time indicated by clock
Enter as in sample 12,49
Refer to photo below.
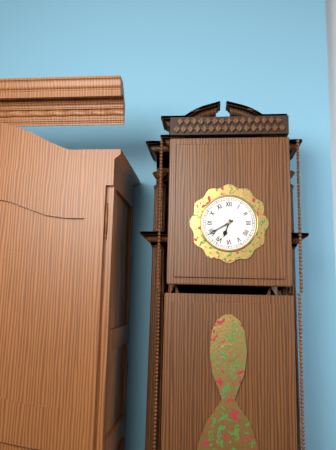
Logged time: 6,40
